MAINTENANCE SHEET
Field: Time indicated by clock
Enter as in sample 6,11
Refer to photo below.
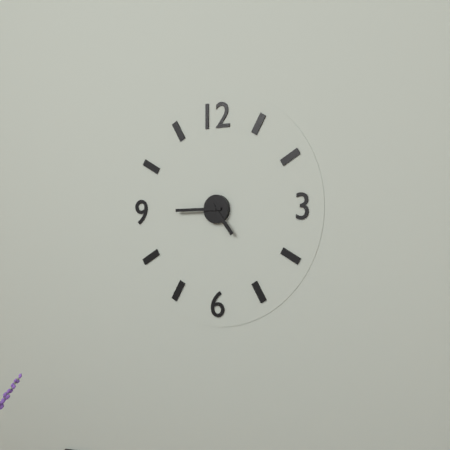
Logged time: 4,45
